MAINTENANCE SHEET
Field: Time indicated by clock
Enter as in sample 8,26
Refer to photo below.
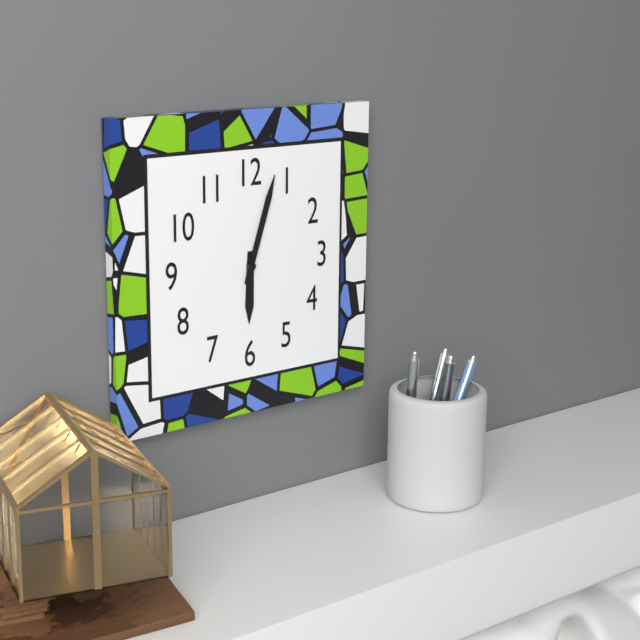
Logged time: 6,03
